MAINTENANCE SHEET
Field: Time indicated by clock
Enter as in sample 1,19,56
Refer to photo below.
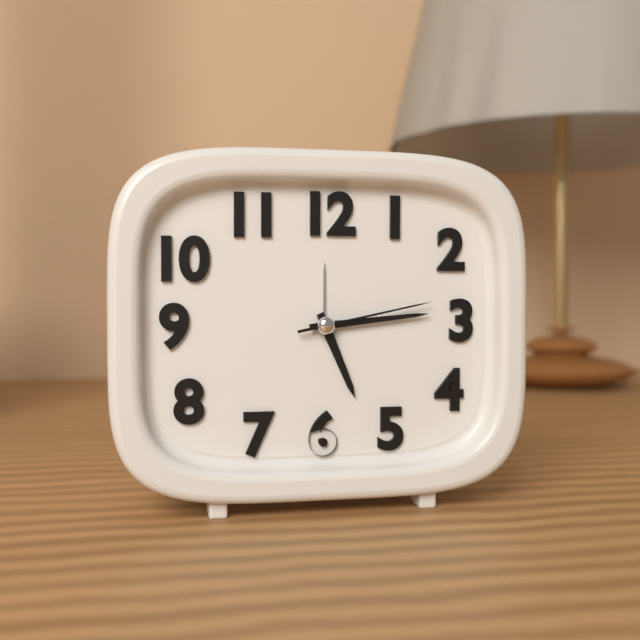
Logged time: 5,14,13
